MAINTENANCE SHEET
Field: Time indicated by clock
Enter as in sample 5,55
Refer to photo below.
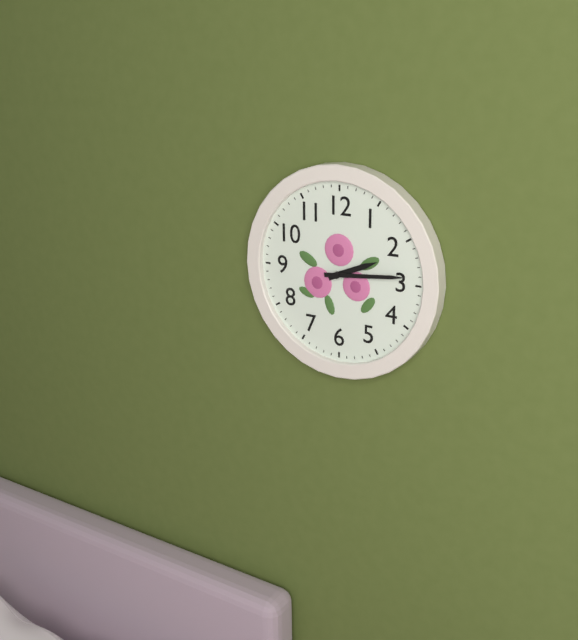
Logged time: 2,14
